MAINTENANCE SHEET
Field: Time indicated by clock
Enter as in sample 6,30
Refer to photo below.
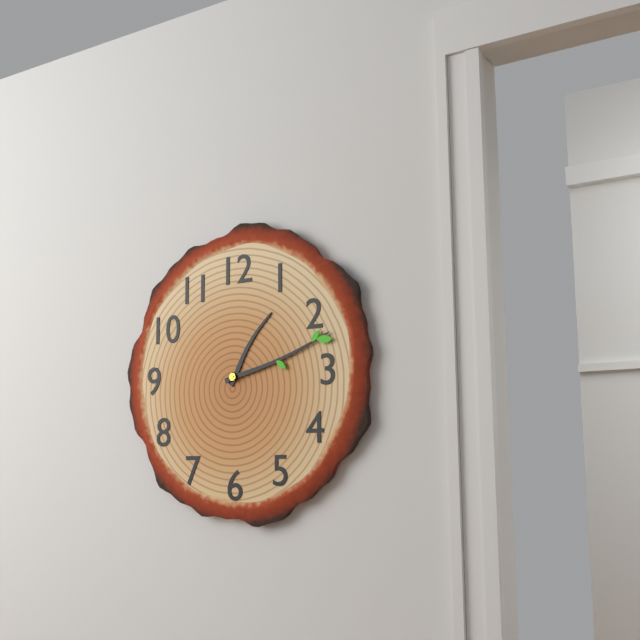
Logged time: 1,12
